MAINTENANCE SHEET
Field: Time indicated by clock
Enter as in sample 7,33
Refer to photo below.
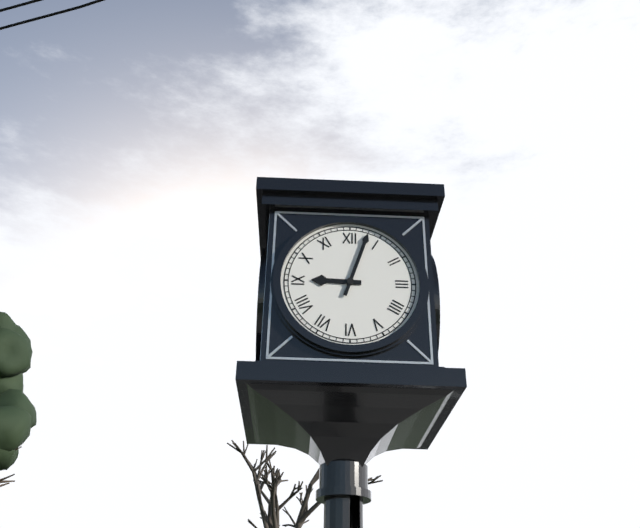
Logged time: 9,03
